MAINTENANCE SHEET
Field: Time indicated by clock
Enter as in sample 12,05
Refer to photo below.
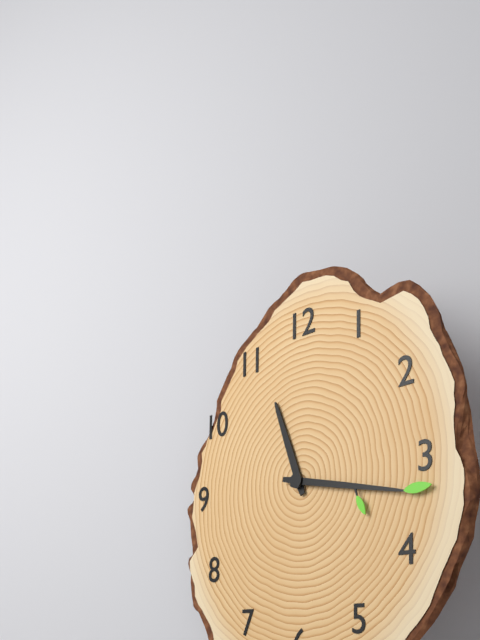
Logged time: 11,17
